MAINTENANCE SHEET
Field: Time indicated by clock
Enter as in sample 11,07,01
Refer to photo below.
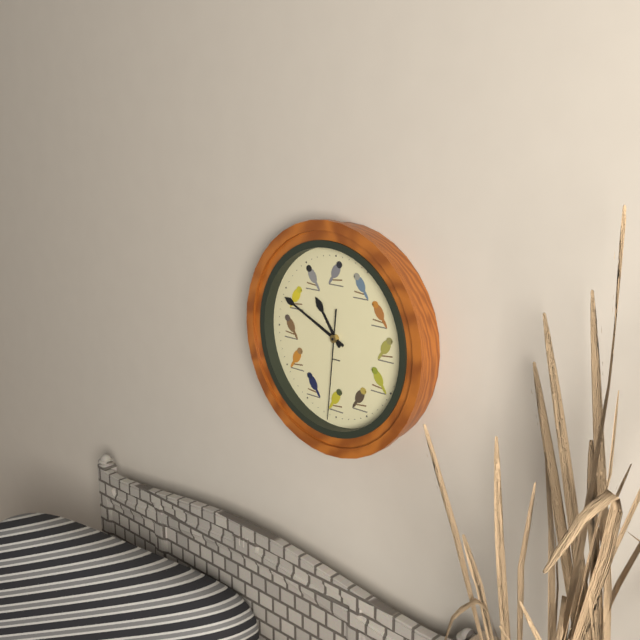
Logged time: 10,49,31
